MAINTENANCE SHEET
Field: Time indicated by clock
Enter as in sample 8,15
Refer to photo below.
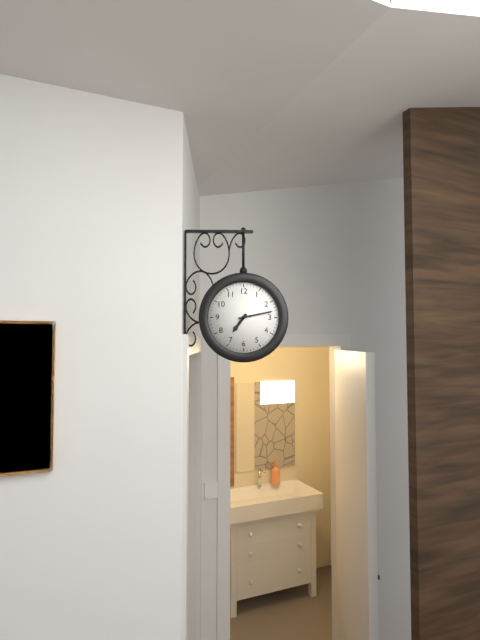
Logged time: 7,13
